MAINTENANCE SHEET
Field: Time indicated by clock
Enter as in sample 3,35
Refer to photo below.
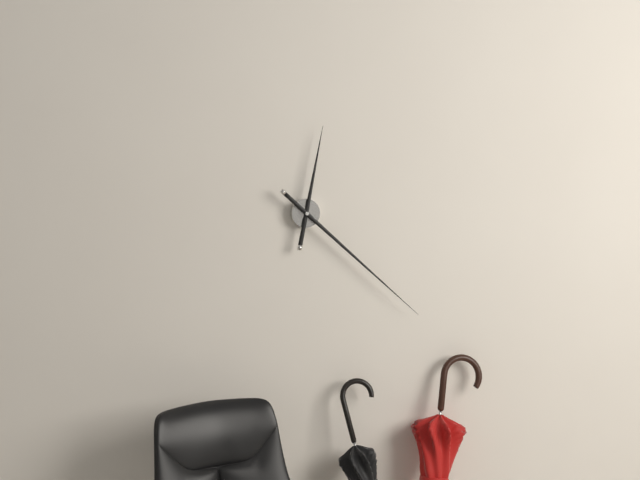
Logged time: 12,22
